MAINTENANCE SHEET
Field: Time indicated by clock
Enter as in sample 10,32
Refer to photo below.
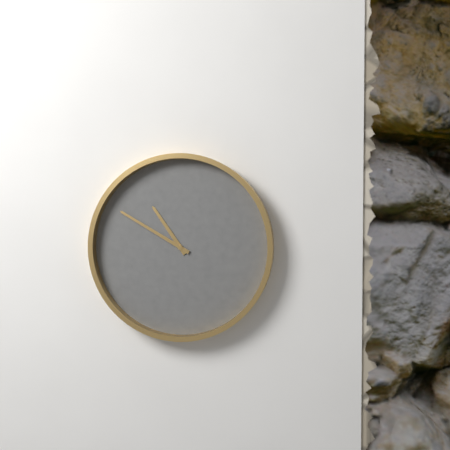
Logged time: 10,50
